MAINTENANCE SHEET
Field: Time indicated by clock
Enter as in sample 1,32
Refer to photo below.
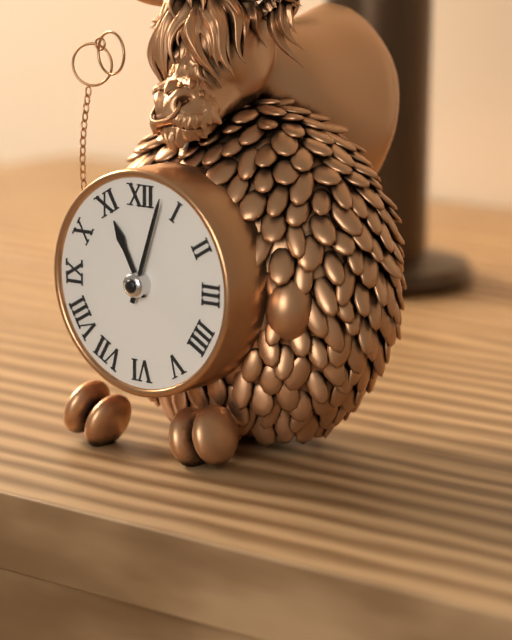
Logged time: 11,03
